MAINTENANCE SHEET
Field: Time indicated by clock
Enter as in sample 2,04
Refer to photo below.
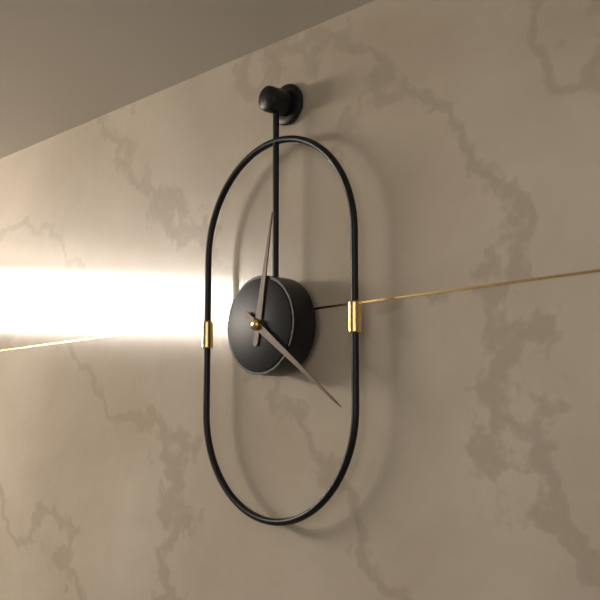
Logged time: 12,21
